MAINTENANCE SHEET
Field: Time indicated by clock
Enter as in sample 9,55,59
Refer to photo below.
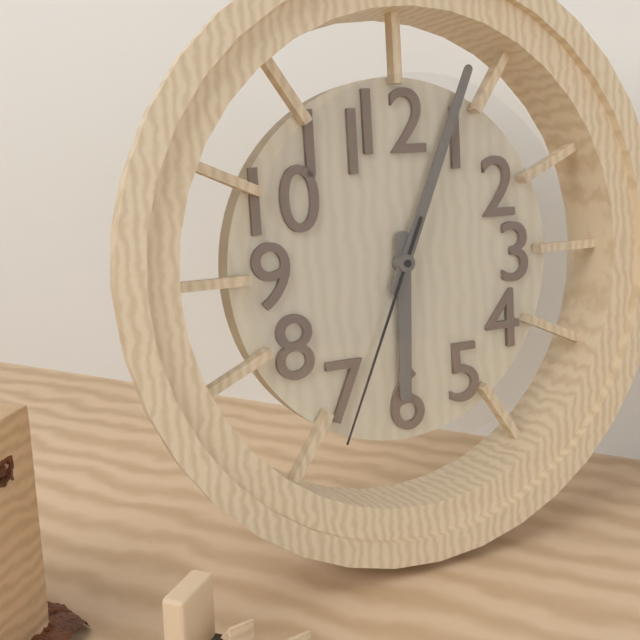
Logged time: 6,04,34
